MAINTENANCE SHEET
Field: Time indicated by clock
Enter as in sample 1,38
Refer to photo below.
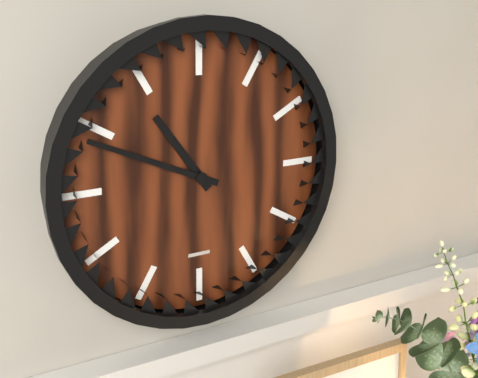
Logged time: 10,49
